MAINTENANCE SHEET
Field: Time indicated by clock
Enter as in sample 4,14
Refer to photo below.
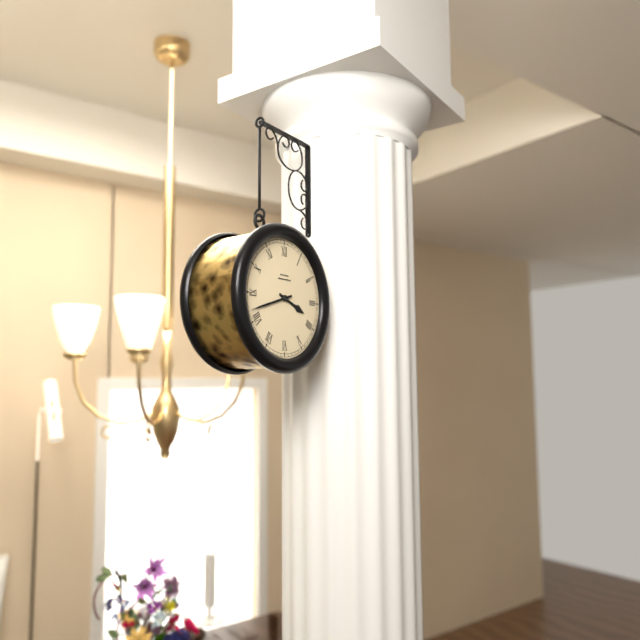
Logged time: 3,42
